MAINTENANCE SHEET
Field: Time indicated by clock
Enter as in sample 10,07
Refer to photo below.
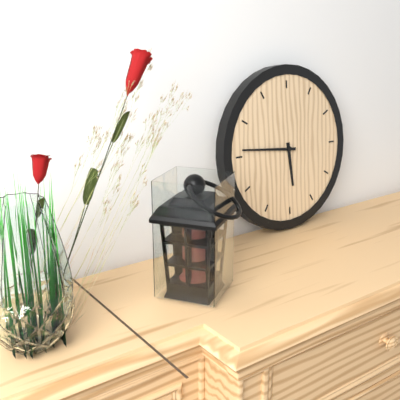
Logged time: 5,46
